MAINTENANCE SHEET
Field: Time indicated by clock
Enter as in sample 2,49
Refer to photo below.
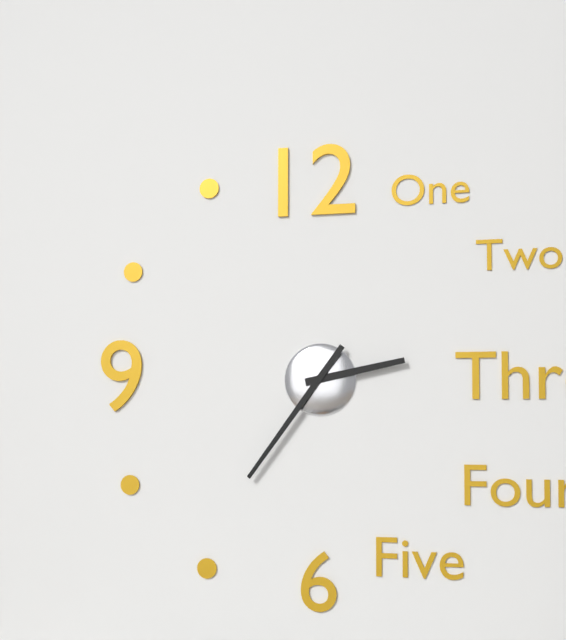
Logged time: 2,36
